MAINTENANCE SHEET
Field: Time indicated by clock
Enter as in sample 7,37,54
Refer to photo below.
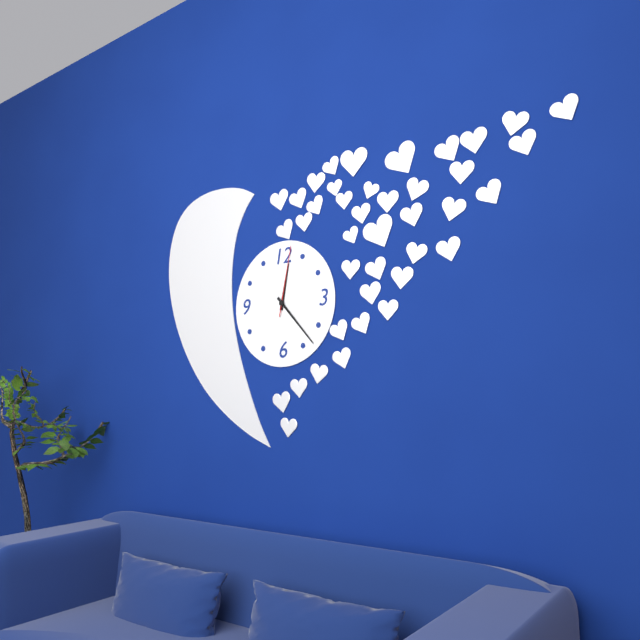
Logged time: 12,23,02
